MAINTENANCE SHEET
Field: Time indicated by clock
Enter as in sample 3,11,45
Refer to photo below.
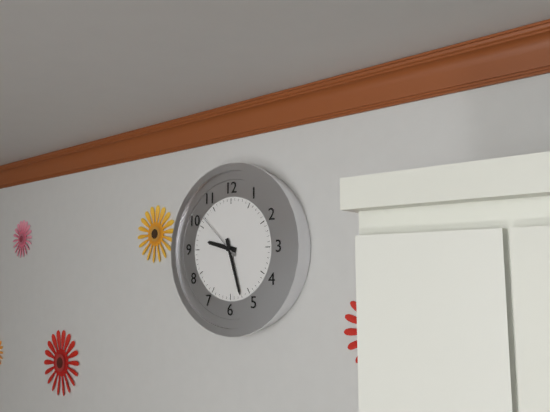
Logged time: 9,27,52
